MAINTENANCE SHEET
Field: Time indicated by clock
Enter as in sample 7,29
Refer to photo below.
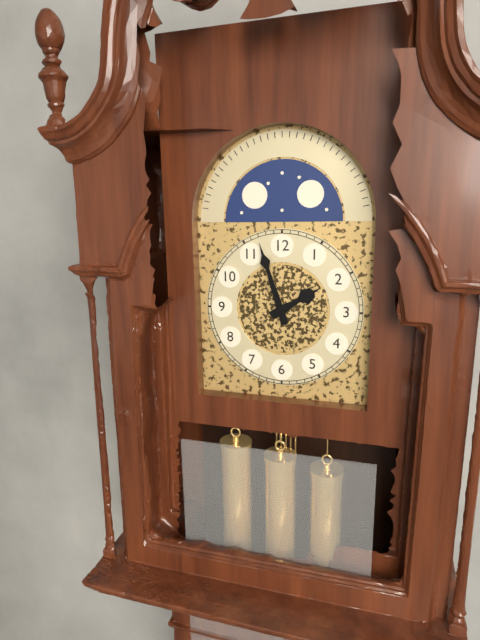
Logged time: 1,57
